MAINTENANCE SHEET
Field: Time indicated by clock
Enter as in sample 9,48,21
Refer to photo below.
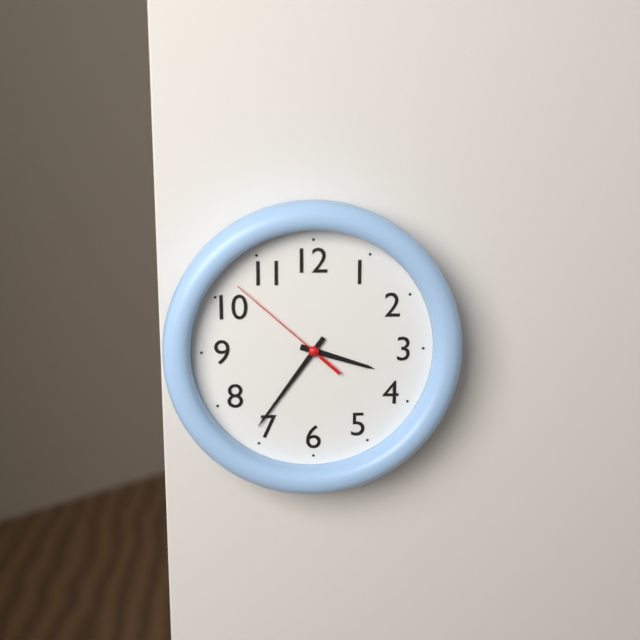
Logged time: 3,36,52
